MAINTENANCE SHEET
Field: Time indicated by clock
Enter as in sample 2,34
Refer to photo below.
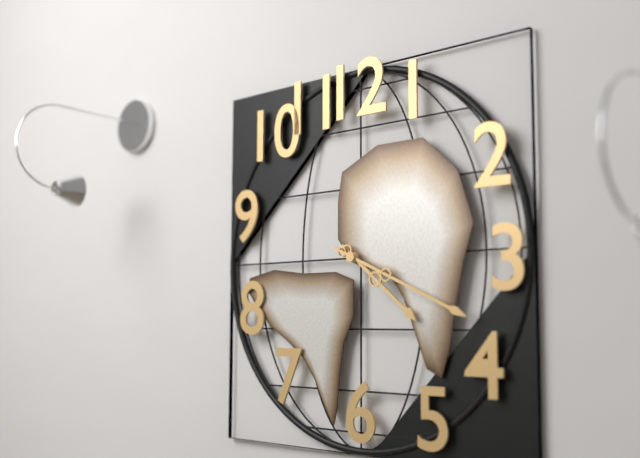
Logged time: 4,19
